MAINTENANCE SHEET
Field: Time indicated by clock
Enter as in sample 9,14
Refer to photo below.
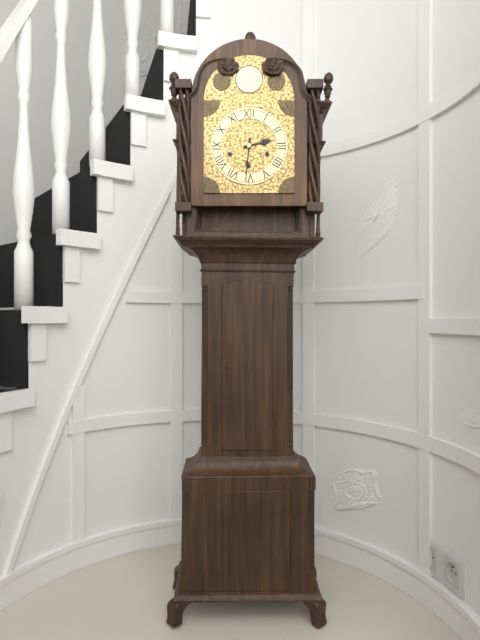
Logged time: 2,31
